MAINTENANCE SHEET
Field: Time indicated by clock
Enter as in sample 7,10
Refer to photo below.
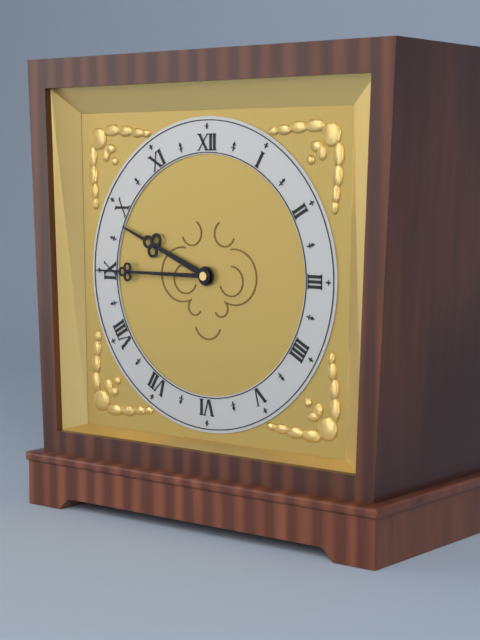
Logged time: 9,45
